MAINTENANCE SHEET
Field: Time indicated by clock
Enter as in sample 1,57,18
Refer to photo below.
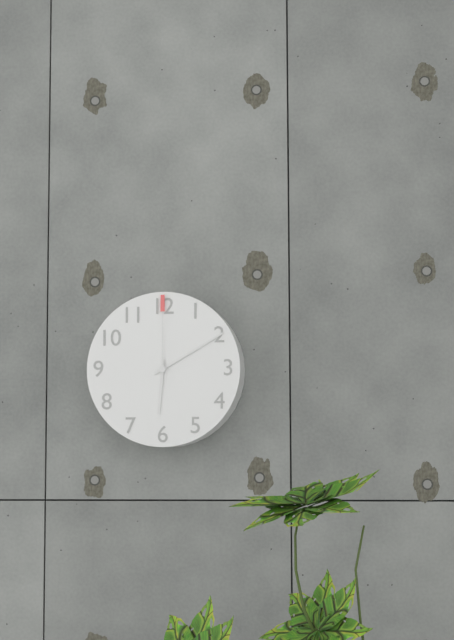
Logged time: 6,10,00
